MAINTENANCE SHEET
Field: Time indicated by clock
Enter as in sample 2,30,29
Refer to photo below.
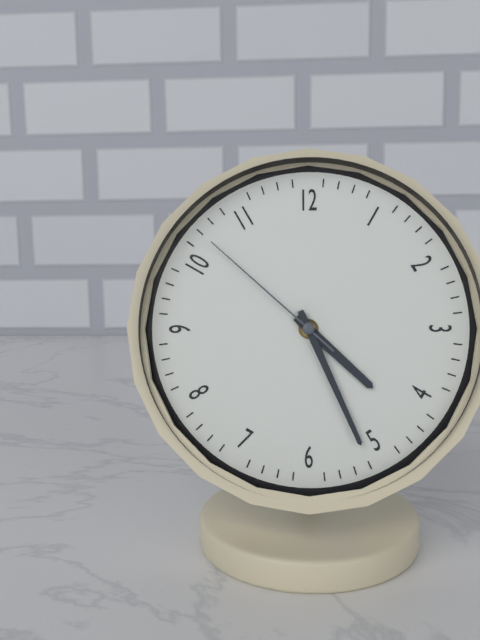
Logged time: 4,26,52
